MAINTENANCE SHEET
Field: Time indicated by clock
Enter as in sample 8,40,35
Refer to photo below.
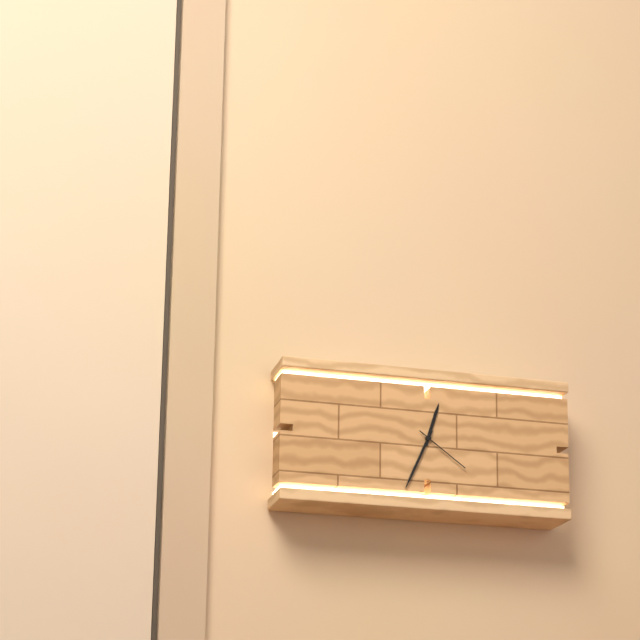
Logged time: 12,34,21
